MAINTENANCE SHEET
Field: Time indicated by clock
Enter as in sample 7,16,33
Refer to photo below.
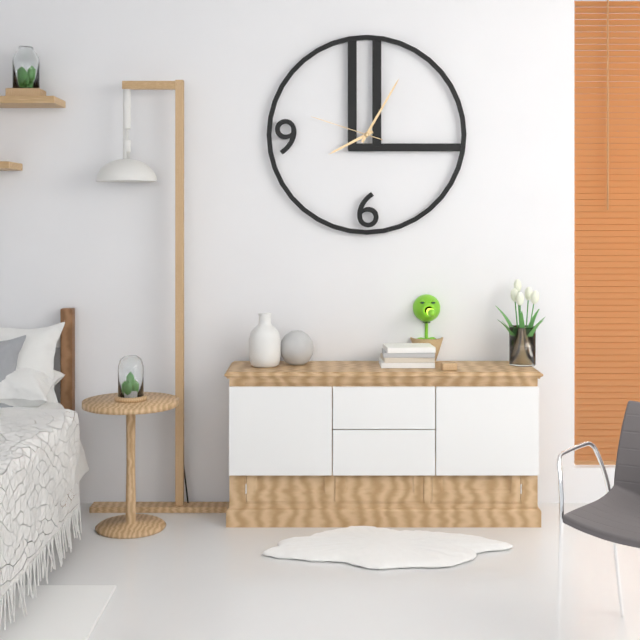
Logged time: 8,05,48
